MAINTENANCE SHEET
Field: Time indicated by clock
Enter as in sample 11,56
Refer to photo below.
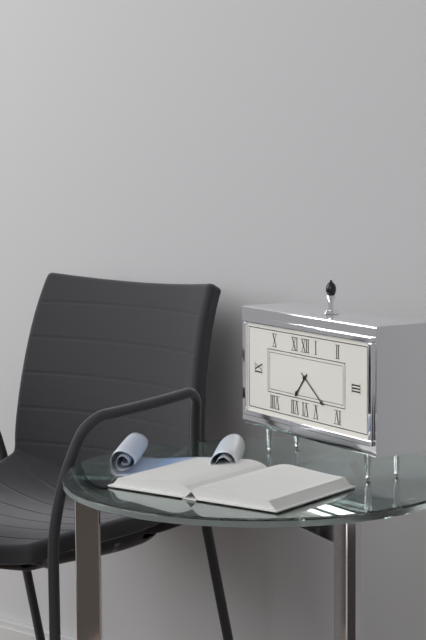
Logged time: 7,21
